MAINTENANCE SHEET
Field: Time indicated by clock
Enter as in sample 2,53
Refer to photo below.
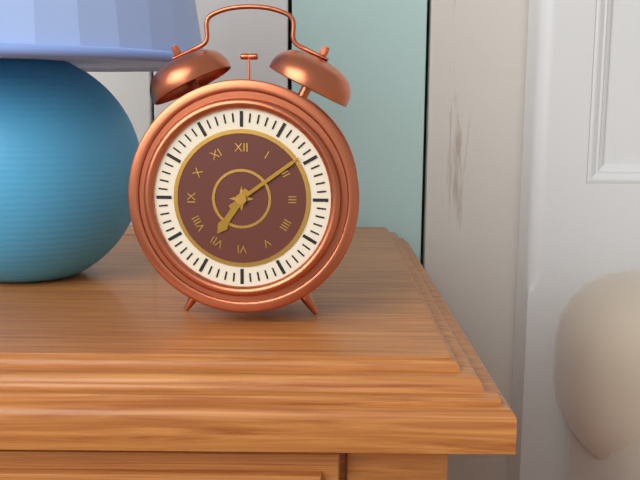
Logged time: 7,09
